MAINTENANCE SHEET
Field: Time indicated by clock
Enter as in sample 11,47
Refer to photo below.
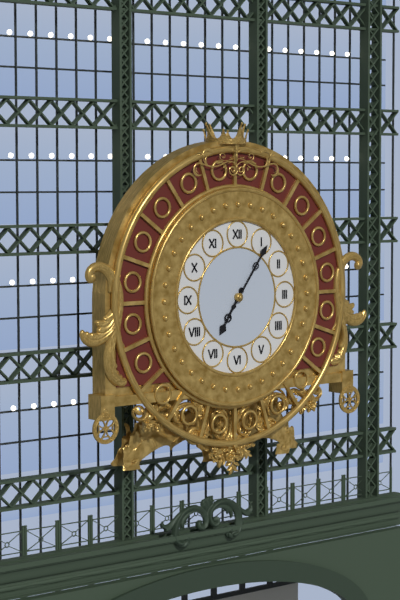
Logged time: 7,06
